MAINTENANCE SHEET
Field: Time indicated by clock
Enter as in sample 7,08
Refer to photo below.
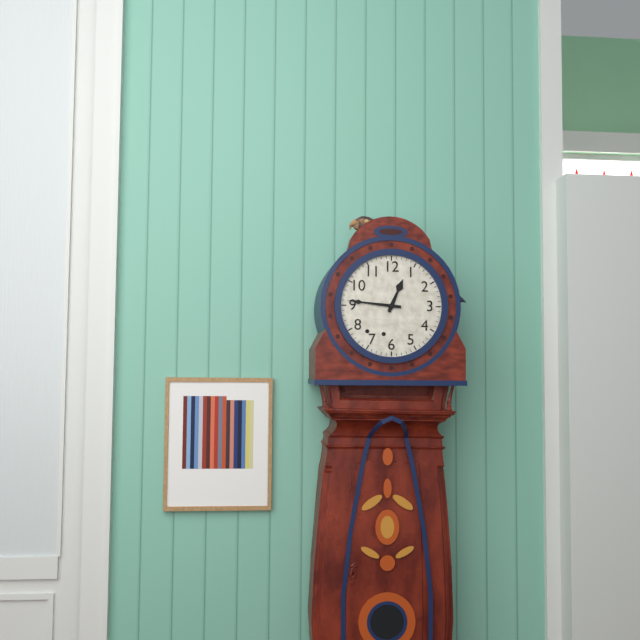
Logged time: 12,46
